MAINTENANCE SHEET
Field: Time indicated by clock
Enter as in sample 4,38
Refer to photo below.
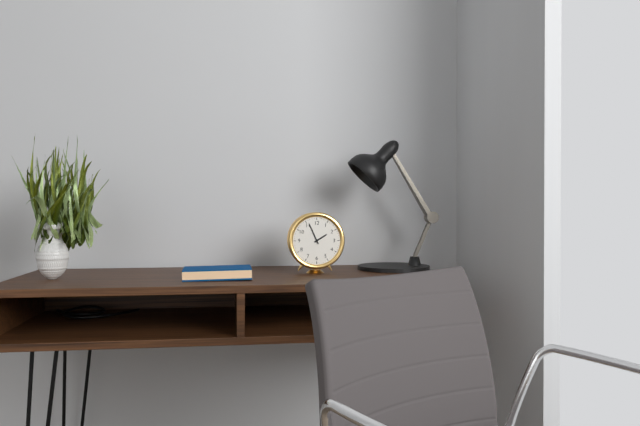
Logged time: 1,56
